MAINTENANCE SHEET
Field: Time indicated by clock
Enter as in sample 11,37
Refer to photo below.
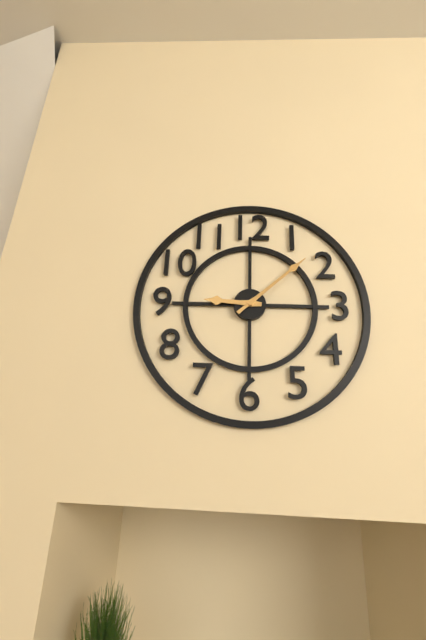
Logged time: 9,08
